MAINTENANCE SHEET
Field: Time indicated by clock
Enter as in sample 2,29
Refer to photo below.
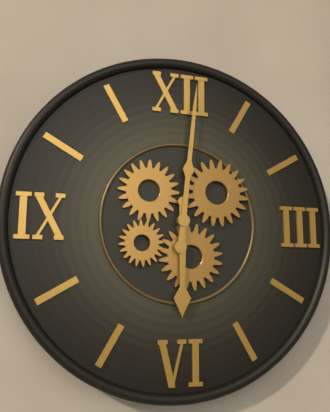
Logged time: 6,01
